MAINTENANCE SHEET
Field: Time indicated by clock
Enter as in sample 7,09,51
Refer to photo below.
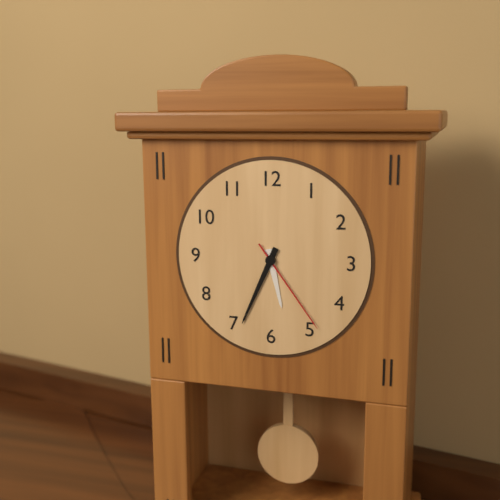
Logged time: 5,34,24
